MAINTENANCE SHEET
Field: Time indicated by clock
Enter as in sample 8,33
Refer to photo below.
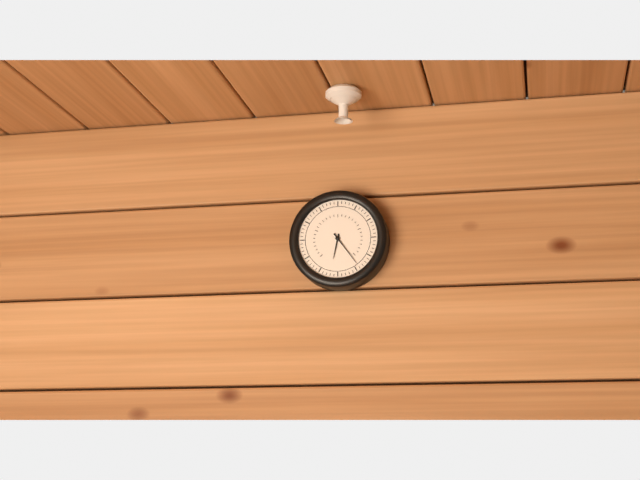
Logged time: 6,24
